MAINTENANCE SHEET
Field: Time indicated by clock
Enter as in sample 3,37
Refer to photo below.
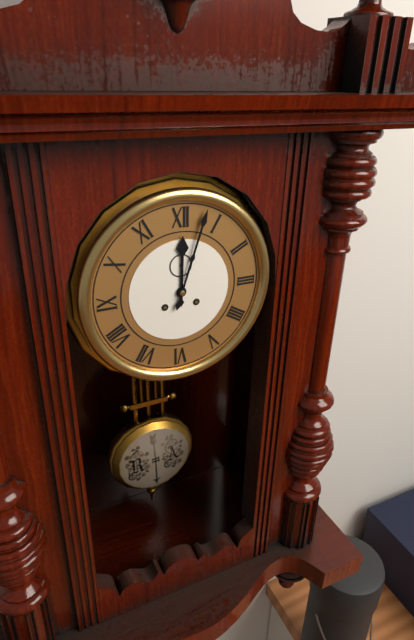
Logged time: 12,03
